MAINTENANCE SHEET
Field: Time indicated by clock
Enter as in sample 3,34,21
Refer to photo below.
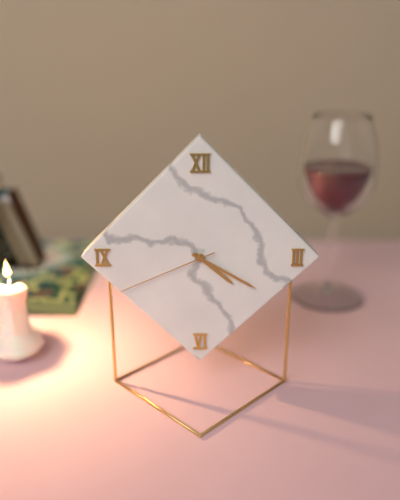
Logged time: 4,20,41
